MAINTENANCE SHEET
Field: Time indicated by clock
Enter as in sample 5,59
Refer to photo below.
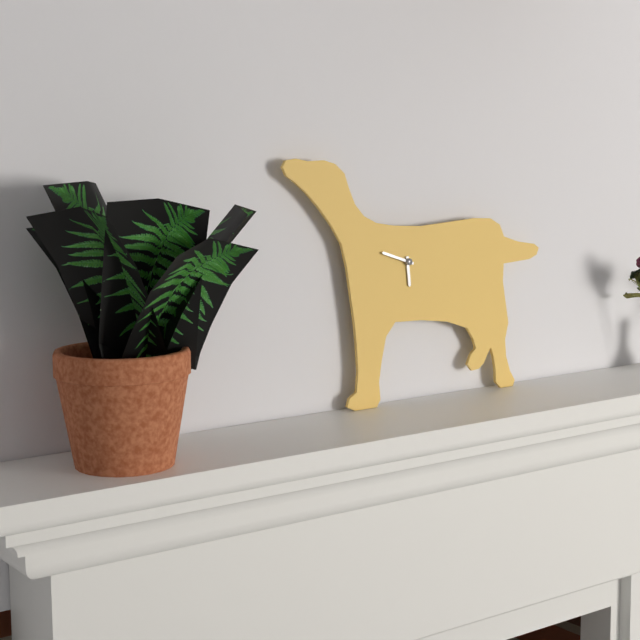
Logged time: 5,48
